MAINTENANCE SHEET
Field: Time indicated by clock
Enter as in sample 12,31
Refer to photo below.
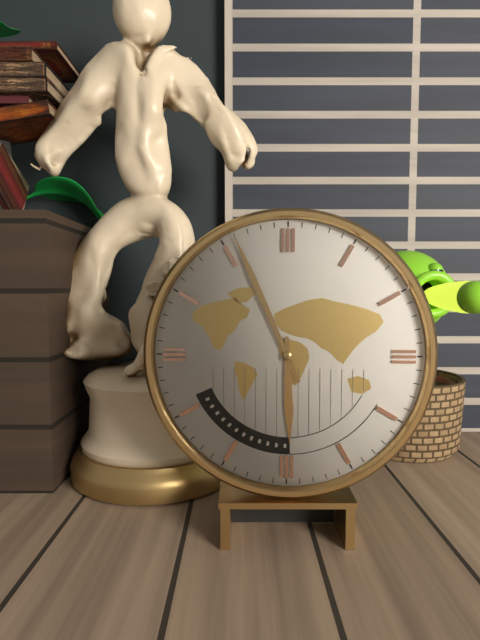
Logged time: 5,56
